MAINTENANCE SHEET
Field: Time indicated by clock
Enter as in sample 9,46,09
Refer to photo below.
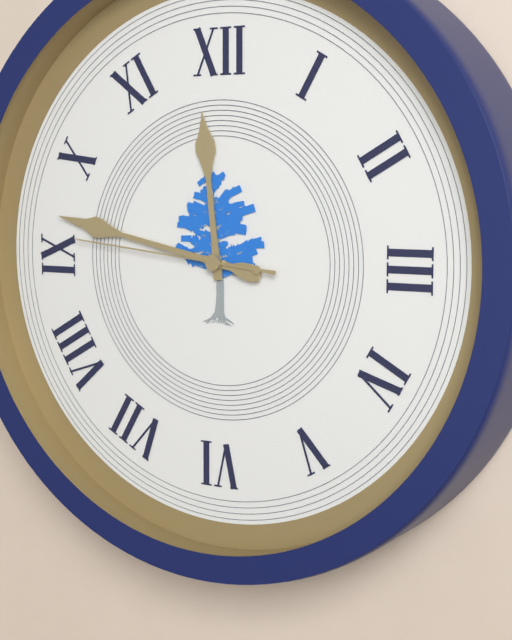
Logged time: 11,47,46
